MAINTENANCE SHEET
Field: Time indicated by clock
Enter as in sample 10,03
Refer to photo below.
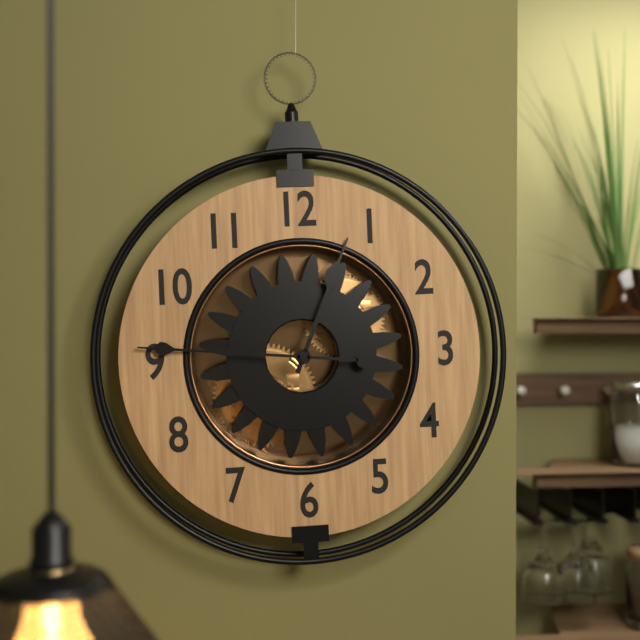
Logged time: 12,46
